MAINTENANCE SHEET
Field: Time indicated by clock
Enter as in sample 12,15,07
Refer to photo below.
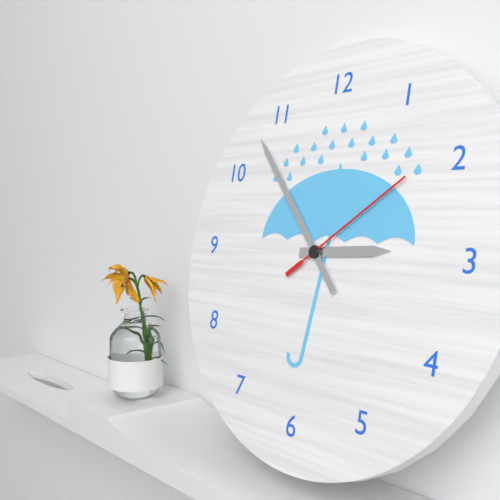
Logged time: 2,53,09
